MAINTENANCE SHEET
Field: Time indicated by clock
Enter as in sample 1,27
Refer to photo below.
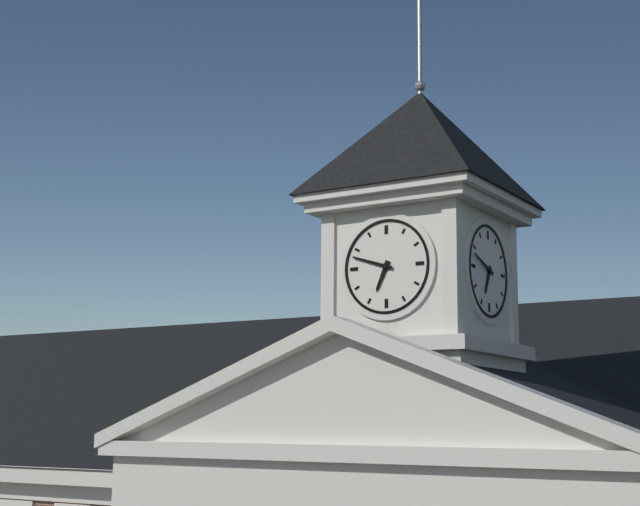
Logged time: 6,48
